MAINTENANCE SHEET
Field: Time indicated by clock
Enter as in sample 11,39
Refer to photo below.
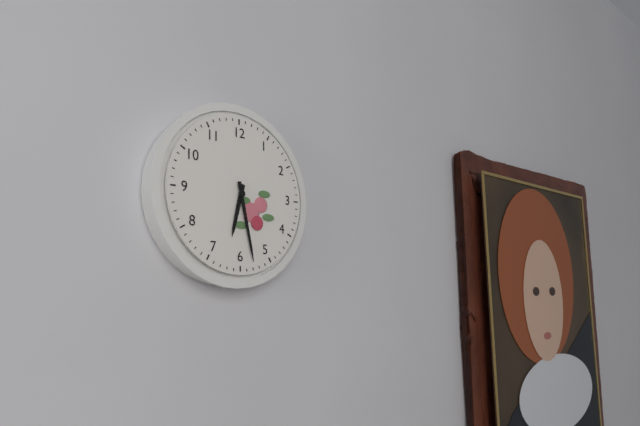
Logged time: 6,28
